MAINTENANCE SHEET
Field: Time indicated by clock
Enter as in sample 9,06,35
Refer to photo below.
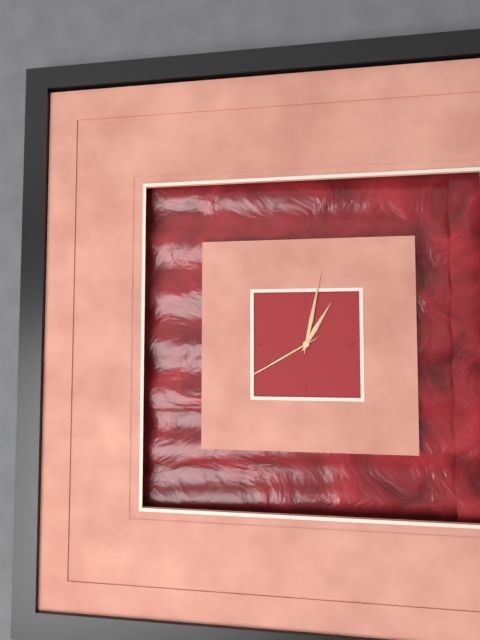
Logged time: 1,02,40
